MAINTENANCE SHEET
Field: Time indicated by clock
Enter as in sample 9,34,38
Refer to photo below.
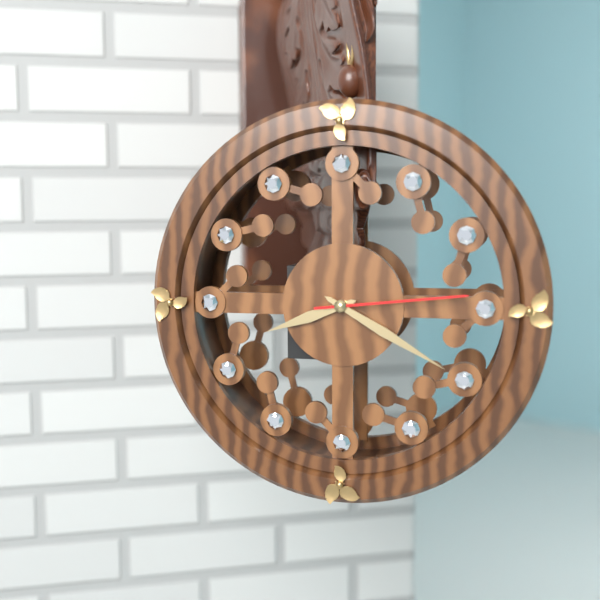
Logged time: 8,20,14
